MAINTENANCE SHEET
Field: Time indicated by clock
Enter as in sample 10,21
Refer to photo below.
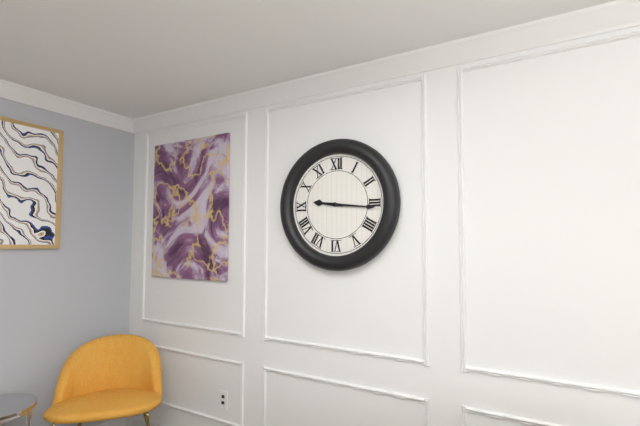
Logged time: 9,16
